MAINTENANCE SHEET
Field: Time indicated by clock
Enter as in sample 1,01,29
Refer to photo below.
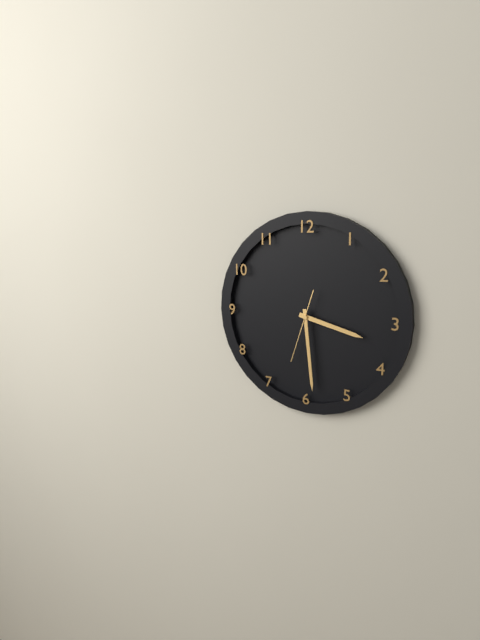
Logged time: 3,29,33
